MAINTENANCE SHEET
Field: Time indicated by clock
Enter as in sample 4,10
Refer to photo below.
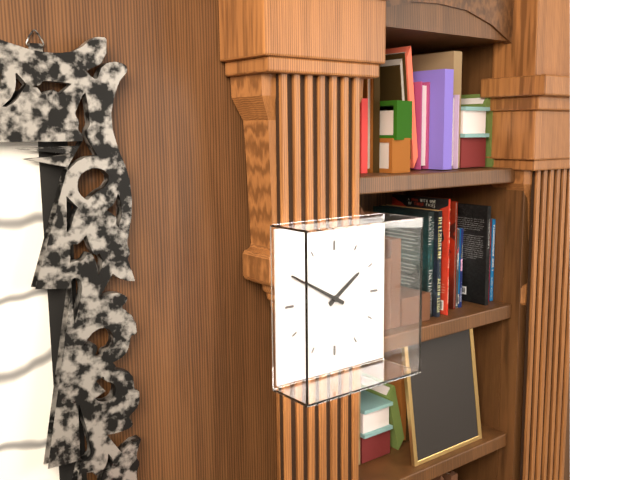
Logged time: 1,50
